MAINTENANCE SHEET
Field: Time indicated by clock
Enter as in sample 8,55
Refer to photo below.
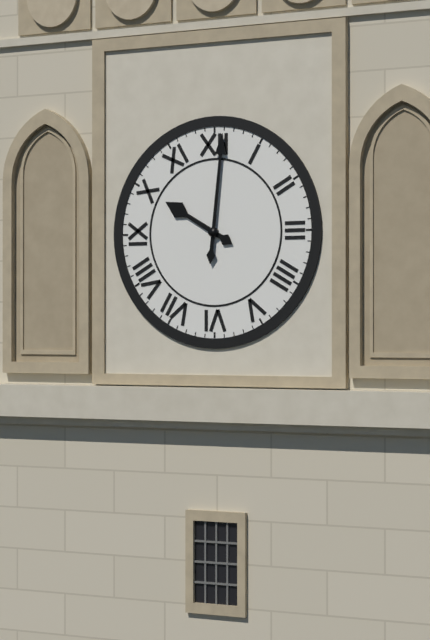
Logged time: 10,01
